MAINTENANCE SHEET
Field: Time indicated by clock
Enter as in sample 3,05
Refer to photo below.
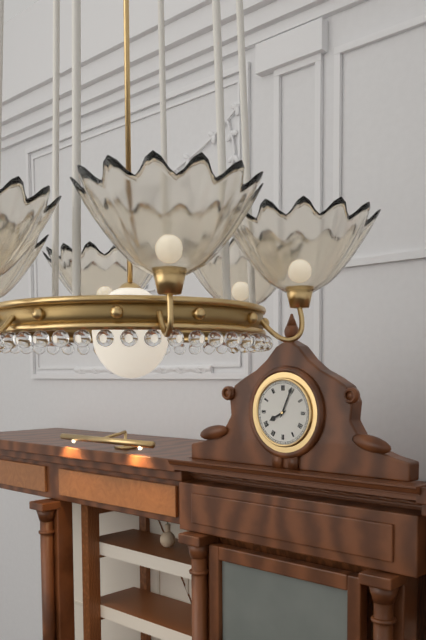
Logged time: 8,04
